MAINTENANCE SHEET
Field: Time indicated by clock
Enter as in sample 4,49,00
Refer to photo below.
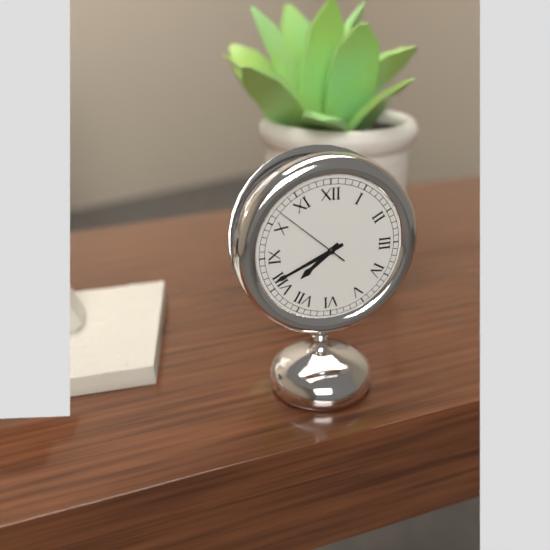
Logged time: 7,41,52
